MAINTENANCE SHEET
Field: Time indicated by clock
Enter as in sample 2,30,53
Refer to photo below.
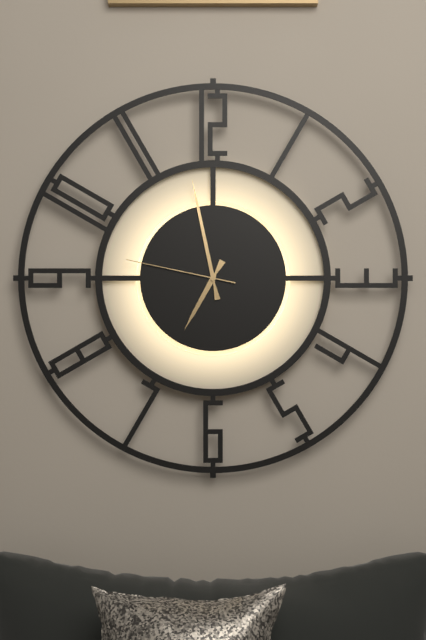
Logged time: 6,58,47
